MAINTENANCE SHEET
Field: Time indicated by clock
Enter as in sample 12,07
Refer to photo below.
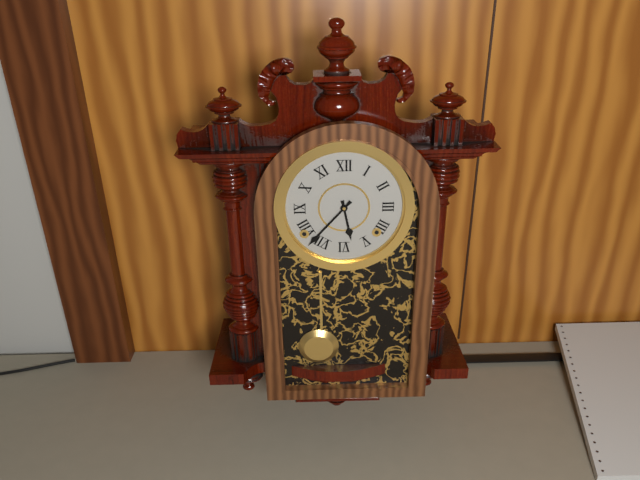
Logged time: 5,37
